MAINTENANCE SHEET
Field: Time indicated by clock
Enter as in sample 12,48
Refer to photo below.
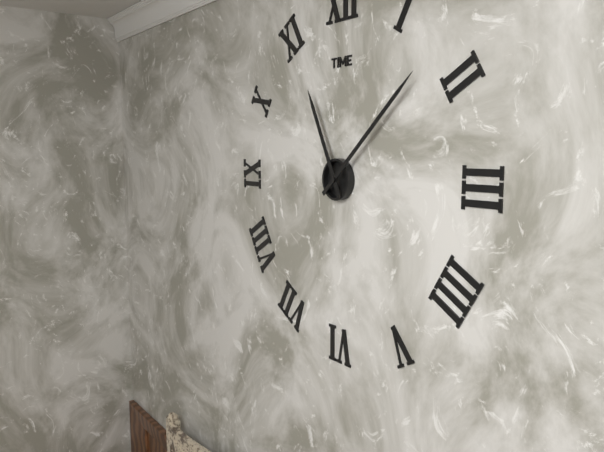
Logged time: 11,08
